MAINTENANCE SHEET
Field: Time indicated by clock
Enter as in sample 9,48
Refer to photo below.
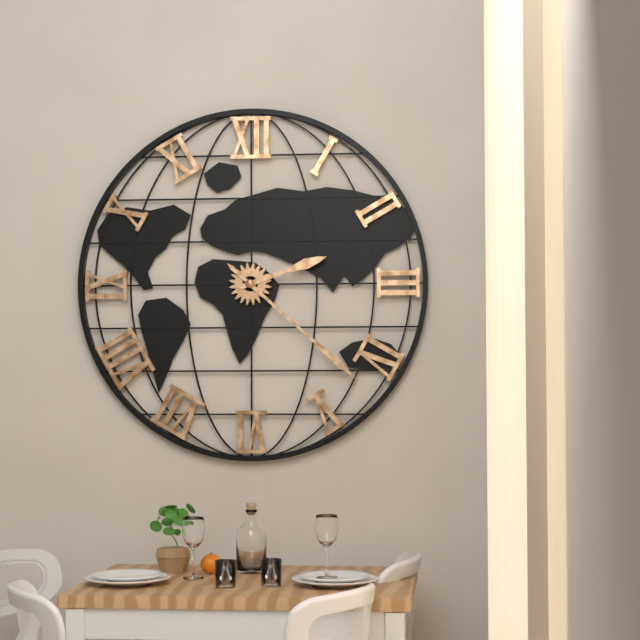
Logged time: 2,22
